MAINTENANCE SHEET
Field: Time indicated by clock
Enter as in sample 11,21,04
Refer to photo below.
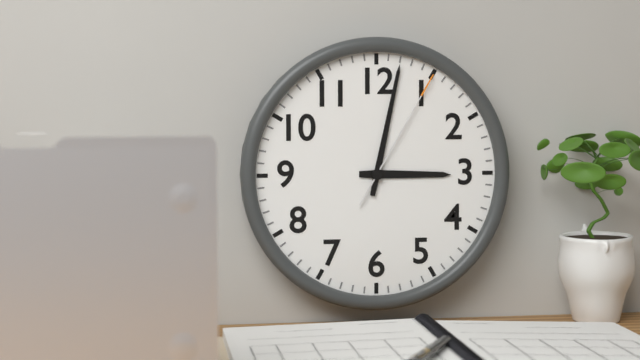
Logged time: 3,02,05
